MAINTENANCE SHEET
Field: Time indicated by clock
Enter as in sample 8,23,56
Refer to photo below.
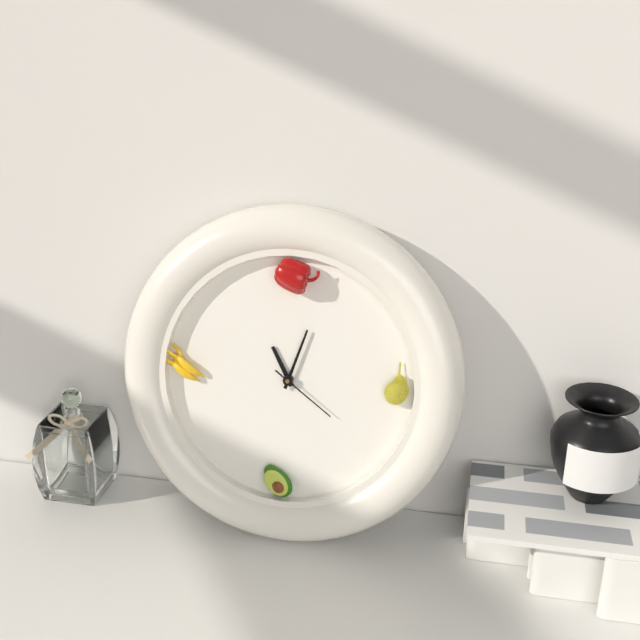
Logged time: 11,03,21
